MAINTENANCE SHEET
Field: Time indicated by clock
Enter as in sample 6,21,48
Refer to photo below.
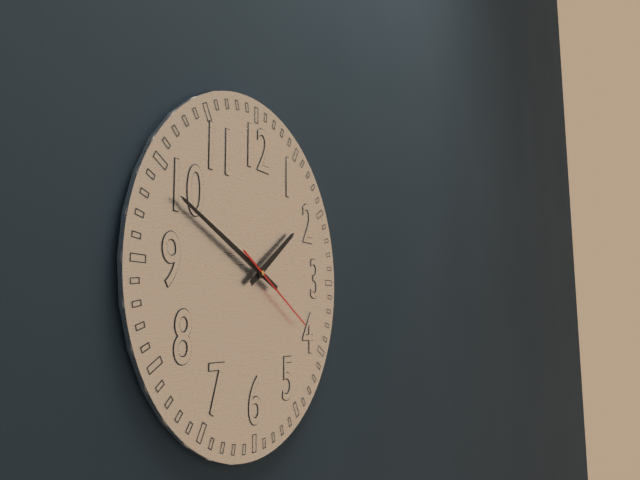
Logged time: 1,49,20
